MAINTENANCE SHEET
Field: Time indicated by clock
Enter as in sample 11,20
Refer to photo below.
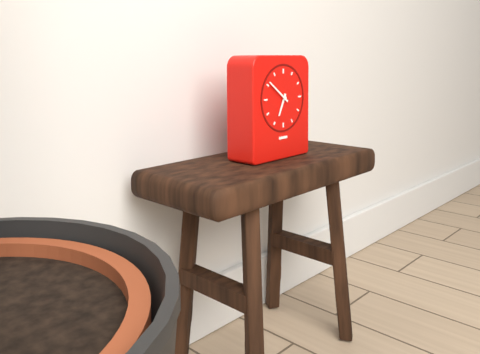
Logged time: 6,51
